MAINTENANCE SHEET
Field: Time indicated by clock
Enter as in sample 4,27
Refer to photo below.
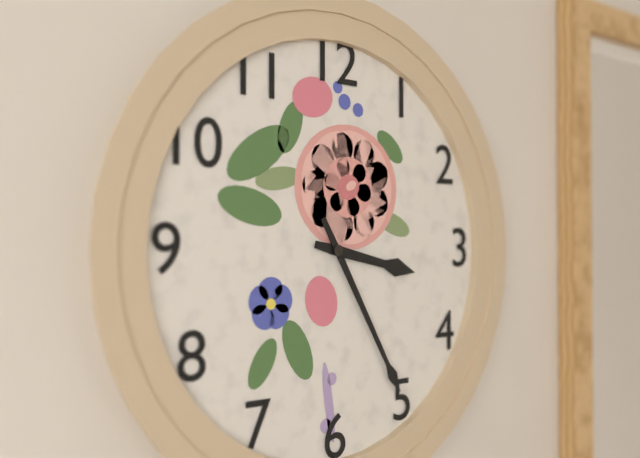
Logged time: 3,25
